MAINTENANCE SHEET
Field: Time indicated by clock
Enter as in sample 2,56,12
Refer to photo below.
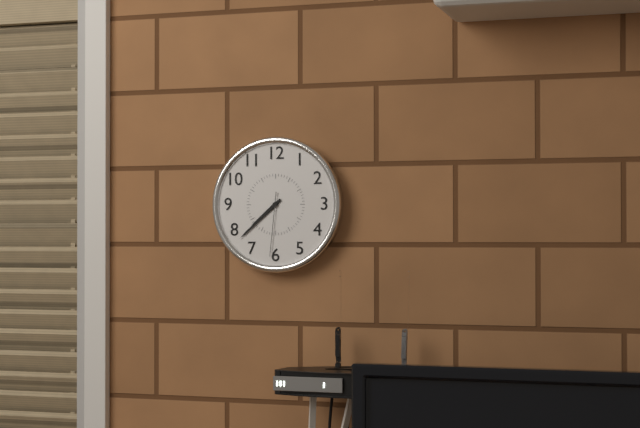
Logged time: 7,38,31
